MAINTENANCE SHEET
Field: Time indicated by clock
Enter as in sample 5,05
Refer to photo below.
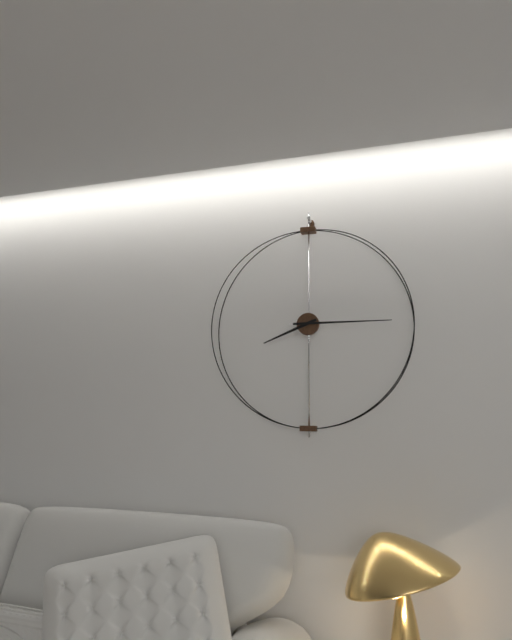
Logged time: 8,15
